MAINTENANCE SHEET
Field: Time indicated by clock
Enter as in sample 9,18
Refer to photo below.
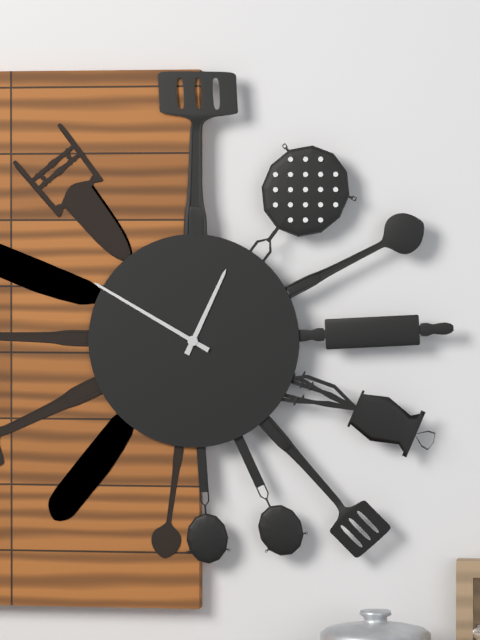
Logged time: 12,50
